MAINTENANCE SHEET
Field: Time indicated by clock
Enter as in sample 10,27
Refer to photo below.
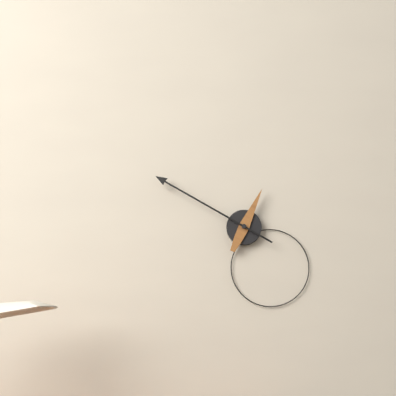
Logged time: 12,50
